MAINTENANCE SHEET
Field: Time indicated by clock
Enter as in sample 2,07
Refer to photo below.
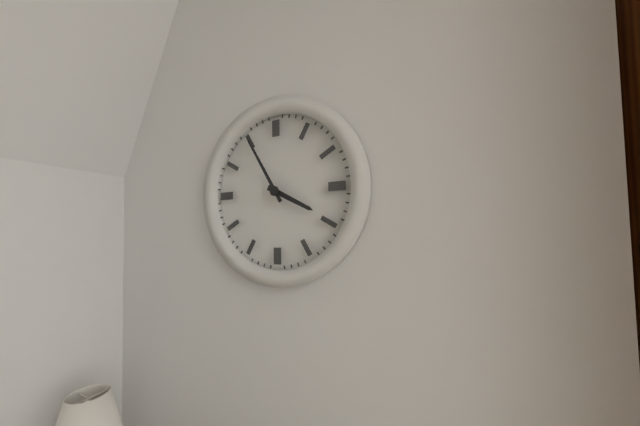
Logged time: 3,55
